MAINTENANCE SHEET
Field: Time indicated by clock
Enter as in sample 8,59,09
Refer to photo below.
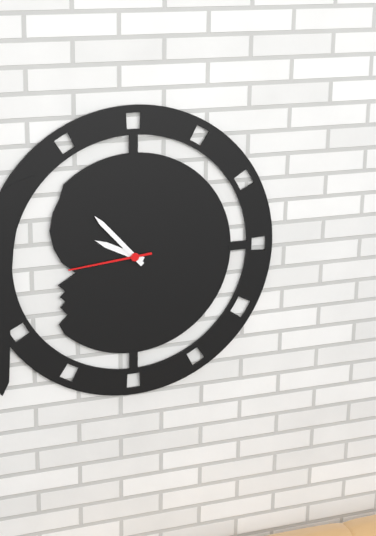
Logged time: 9,53,44
